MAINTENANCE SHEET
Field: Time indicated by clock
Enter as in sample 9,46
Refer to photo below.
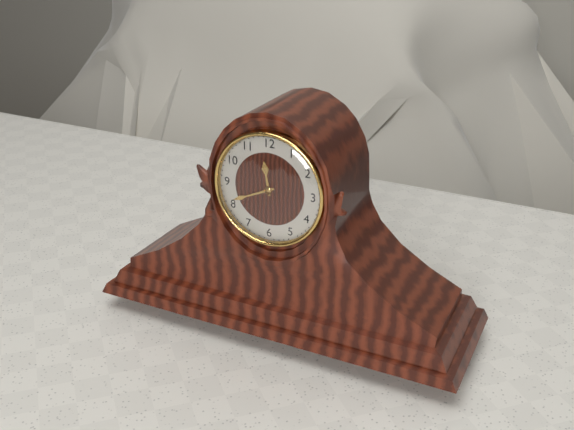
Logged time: 11,41
